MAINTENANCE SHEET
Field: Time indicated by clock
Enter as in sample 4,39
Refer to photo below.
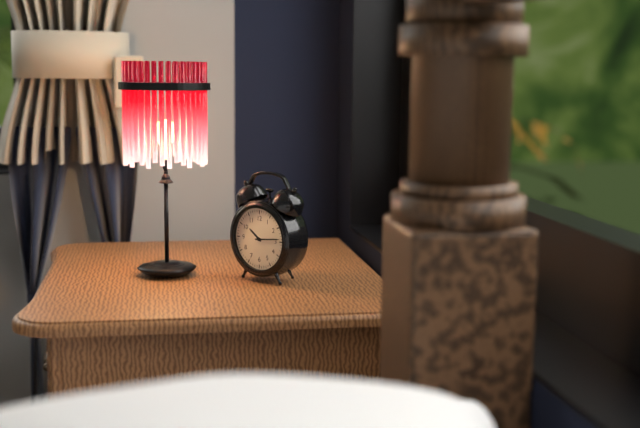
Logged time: 10,14
